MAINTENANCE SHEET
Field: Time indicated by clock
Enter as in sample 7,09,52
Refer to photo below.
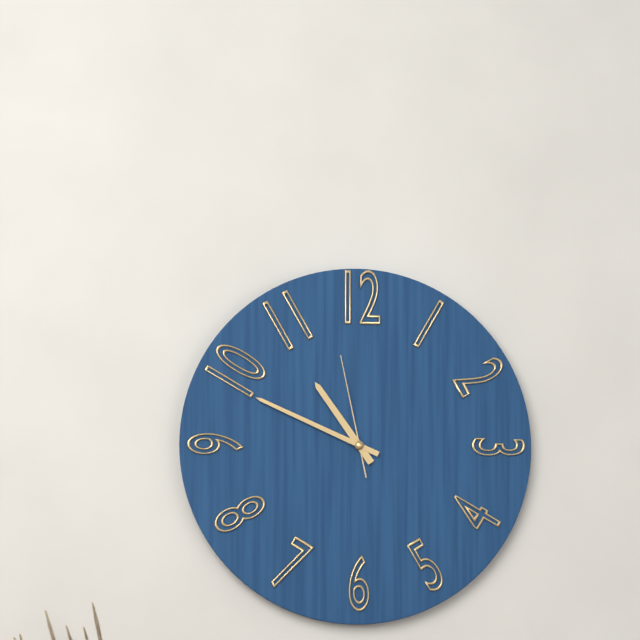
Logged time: 10,49,58
